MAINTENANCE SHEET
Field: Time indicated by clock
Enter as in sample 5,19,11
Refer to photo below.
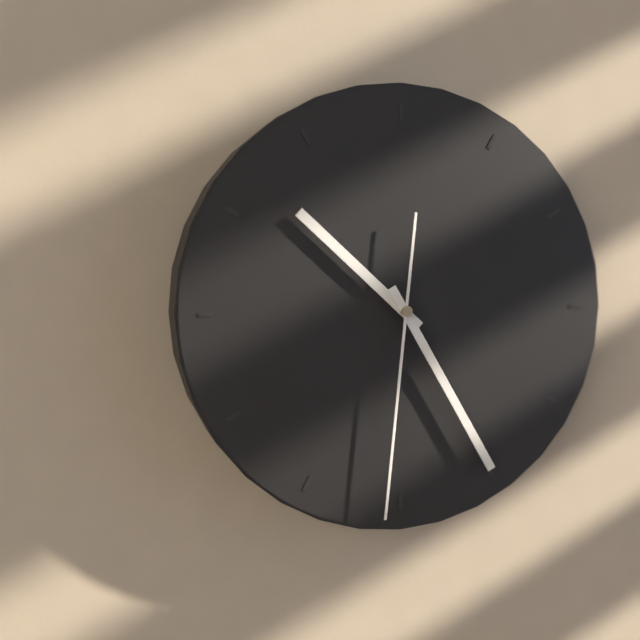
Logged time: 10,25,31
